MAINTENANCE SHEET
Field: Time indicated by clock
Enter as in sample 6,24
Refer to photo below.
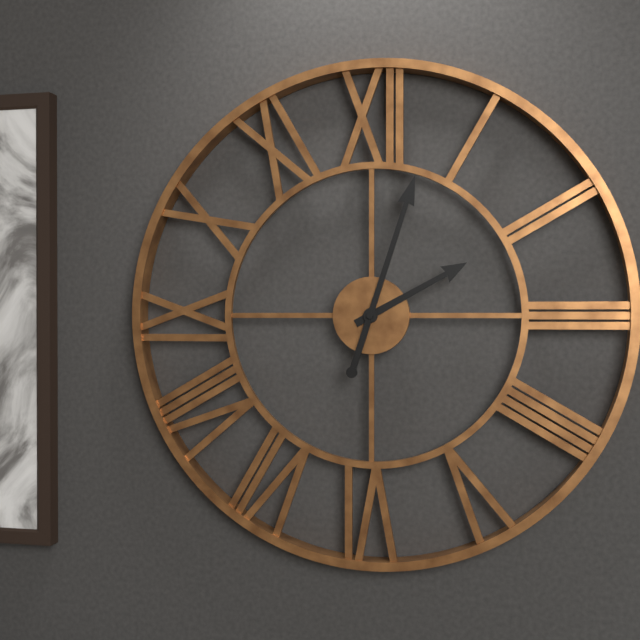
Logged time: 2,03
